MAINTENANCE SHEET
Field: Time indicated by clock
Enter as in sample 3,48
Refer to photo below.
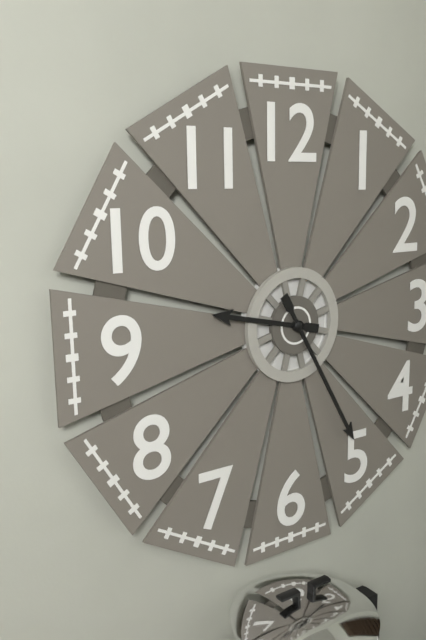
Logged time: 9,25
